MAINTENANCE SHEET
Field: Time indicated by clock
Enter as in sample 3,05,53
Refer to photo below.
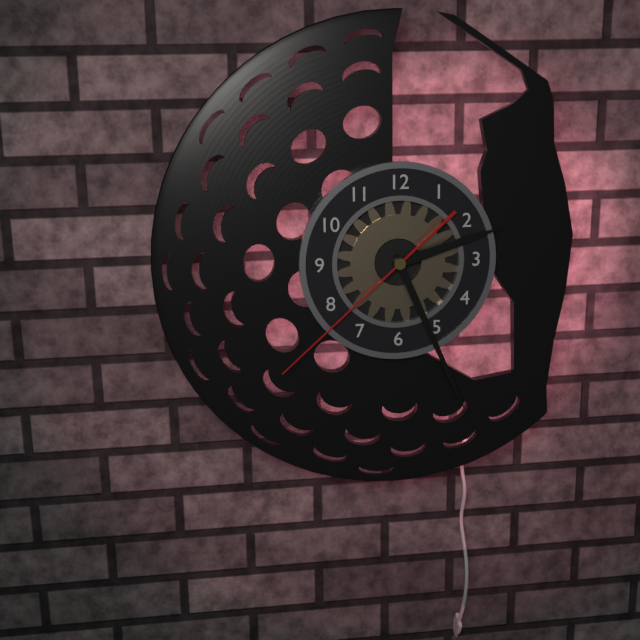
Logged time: 2,26,38
